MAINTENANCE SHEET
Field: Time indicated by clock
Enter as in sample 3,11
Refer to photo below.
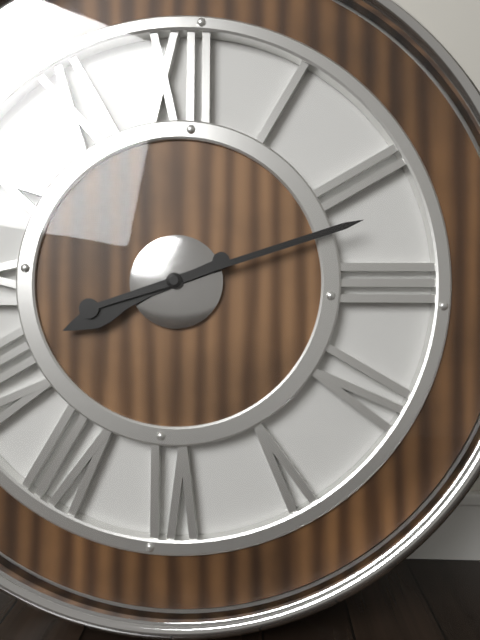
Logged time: 8,12
